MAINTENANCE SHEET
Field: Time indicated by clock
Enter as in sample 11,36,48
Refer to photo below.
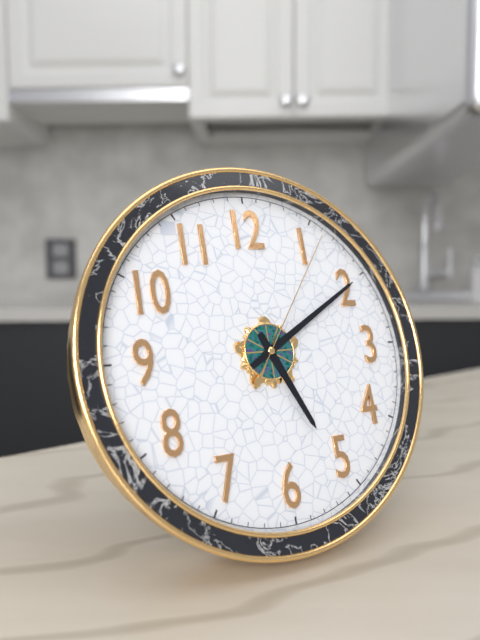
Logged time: 5,10,06
